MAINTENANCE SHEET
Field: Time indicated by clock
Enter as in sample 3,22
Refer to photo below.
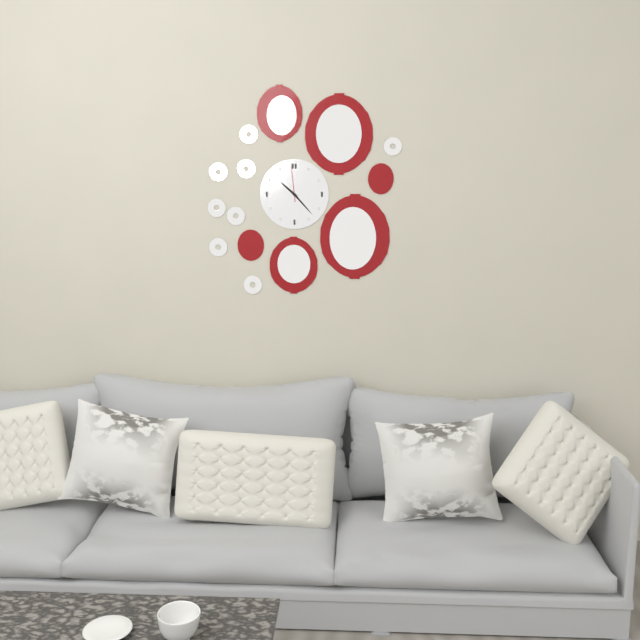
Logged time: 10,23
